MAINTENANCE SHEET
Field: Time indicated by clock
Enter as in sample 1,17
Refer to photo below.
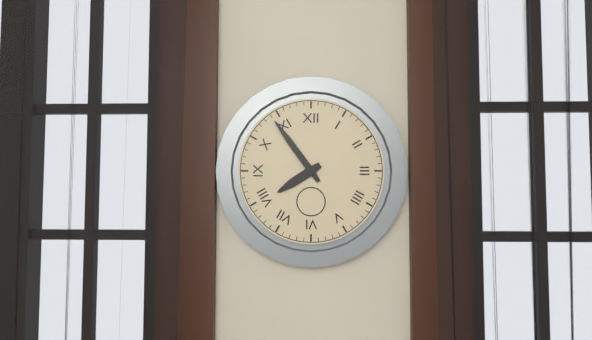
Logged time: 7,54
